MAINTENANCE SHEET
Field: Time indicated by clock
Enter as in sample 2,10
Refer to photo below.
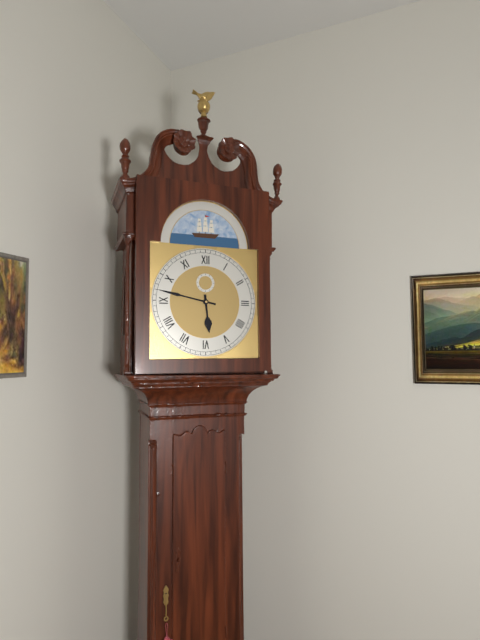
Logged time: 5,47
